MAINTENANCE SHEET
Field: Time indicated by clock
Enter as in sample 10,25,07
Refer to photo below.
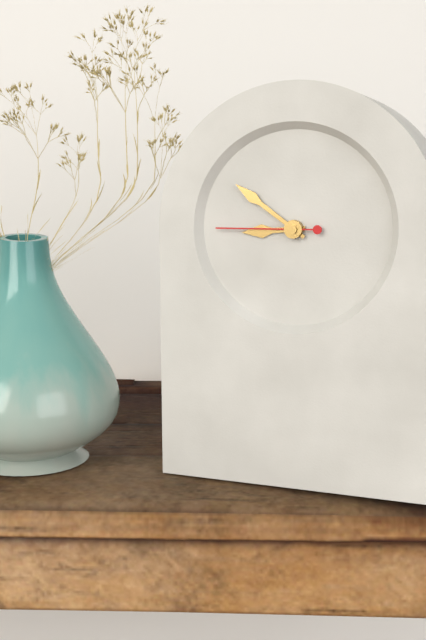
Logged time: 8,51,45
